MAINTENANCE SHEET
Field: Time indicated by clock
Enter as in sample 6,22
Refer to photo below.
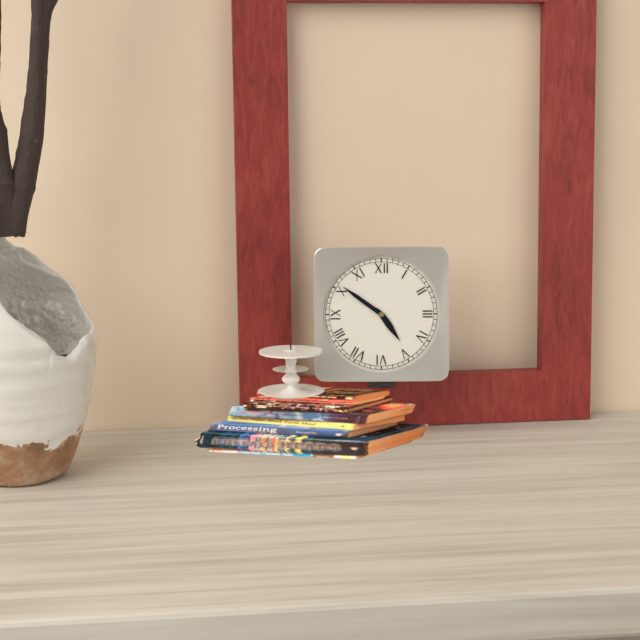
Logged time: 4,51
